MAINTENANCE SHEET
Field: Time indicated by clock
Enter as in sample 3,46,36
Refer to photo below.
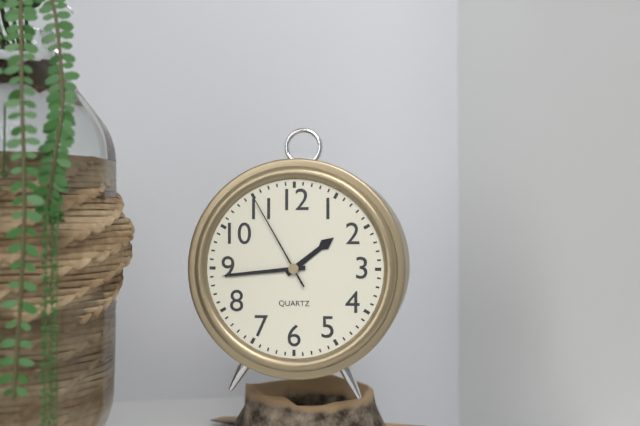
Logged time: 1,44,55
